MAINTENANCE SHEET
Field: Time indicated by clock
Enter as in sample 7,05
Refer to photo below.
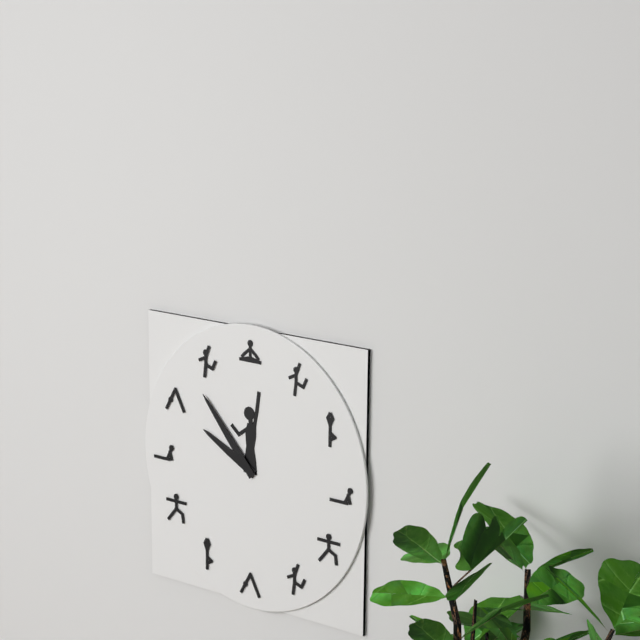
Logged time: 9,53
